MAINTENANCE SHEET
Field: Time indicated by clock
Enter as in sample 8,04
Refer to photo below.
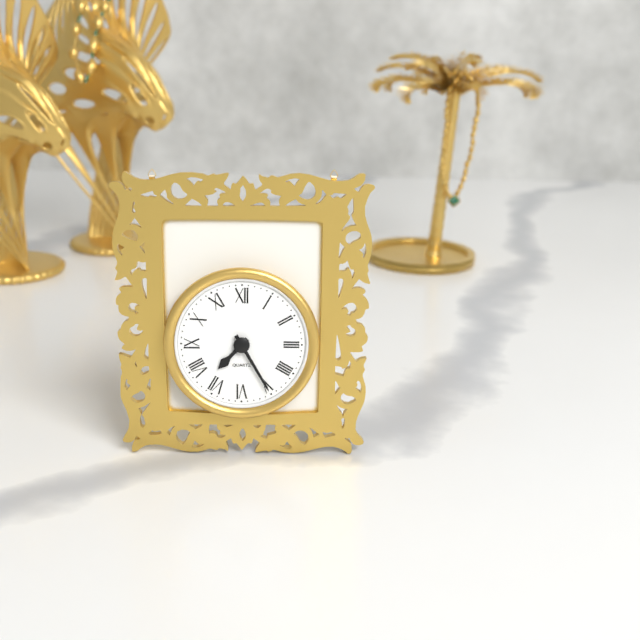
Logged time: 7,25
